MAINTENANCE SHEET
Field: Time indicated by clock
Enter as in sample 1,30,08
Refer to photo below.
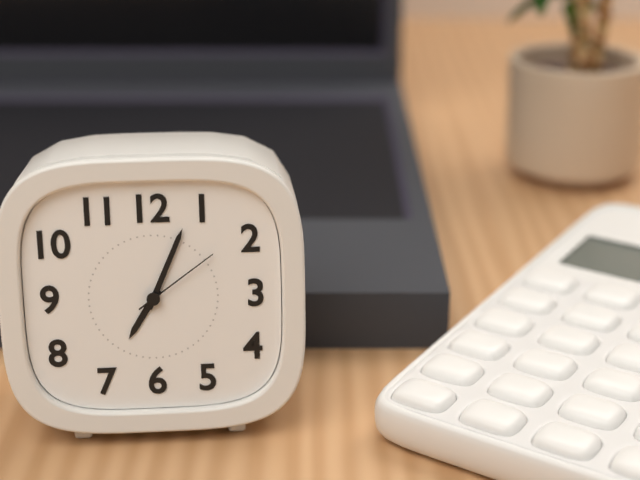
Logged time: 7,04,09
